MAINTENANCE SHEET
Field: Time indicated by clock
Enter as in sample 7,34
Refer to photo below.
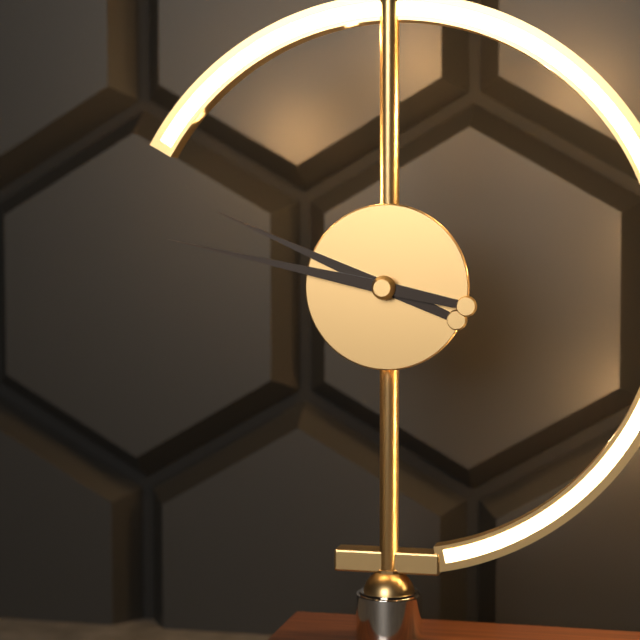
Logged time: 9,47
